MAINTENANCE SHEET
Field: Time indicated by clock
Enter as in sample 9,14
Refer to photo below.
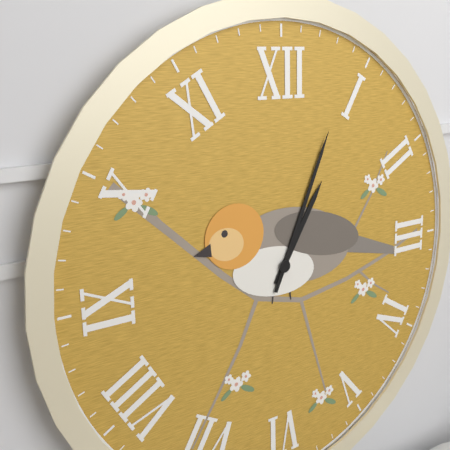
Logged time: 1,04
